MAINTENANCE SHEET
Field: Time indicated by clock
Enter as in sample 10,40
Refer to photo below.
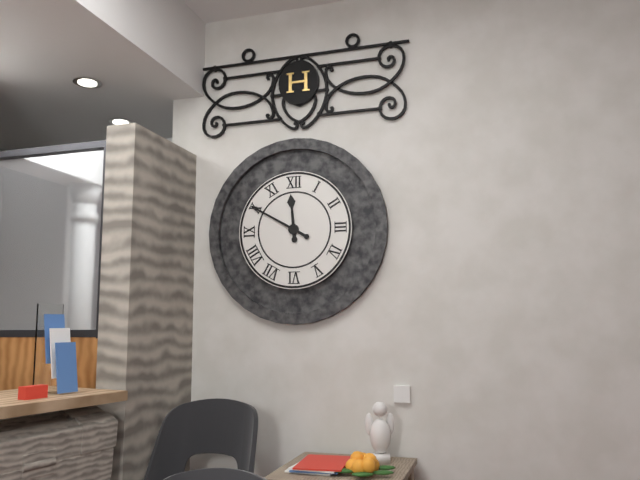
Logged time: 11,50
